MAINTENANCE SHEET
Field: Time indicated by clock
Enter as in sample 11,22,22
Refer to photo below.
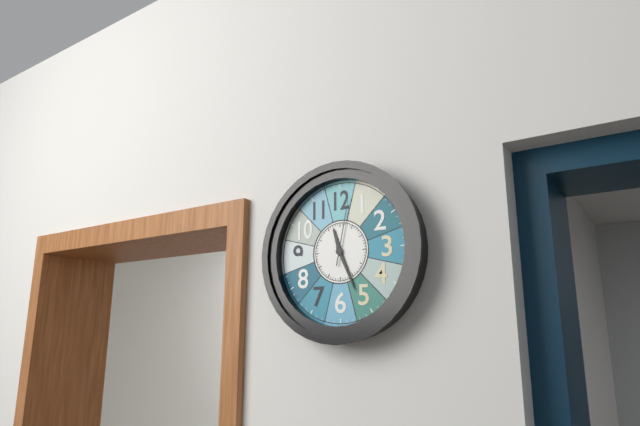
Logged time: 11,26,02
